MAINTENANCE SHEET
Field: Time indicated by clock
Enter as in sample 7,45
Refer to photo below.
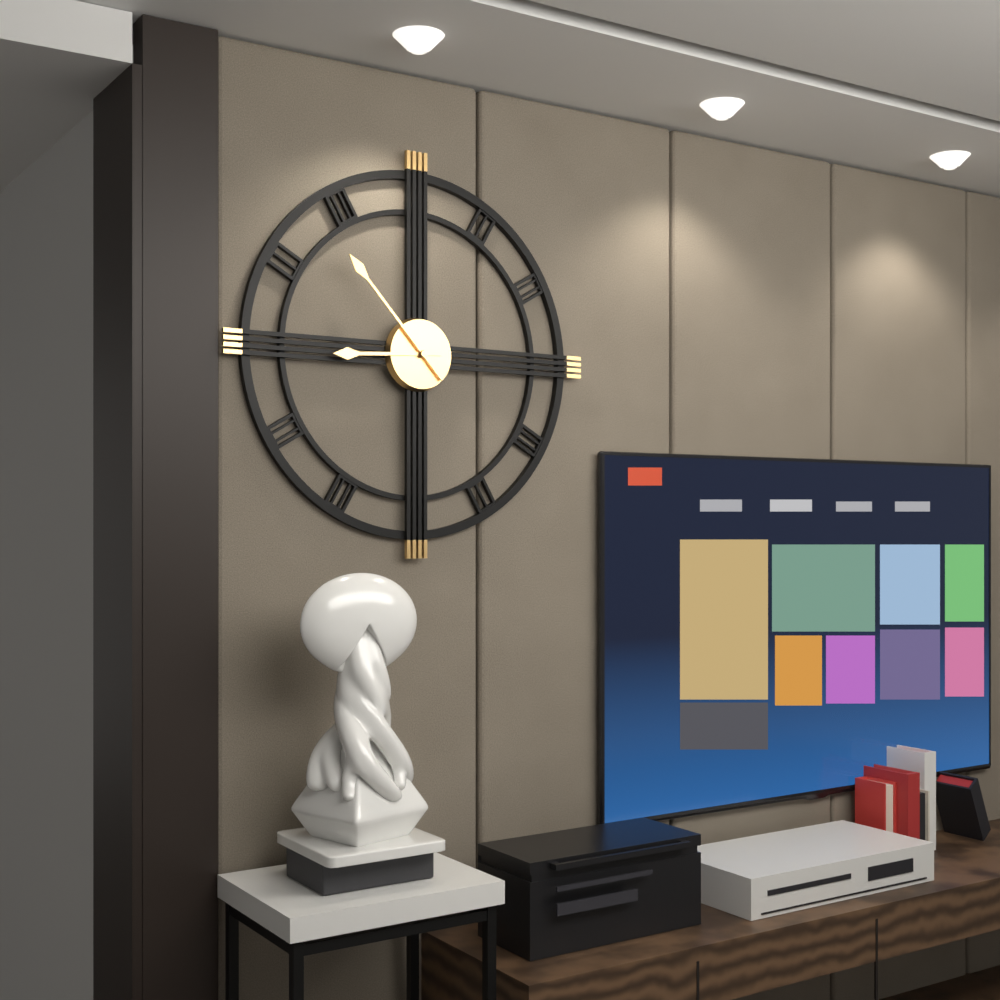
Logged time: 8,53
